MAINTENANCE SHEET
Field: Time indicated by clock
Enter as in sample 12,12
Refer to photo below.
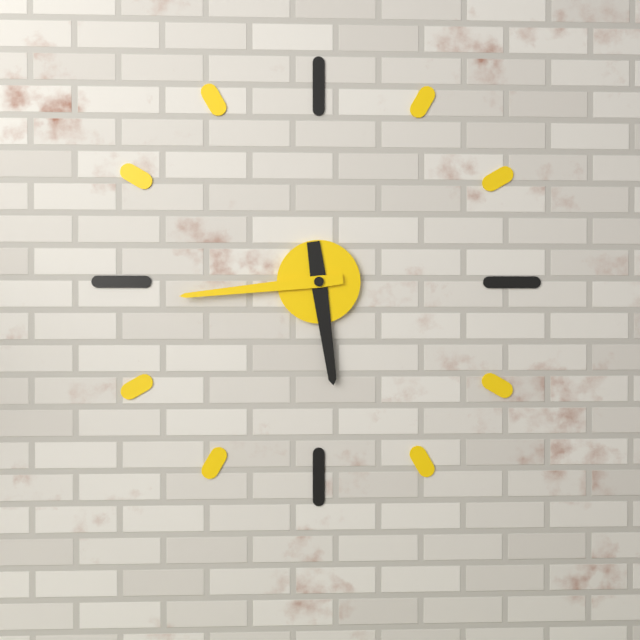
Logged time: 5,44
